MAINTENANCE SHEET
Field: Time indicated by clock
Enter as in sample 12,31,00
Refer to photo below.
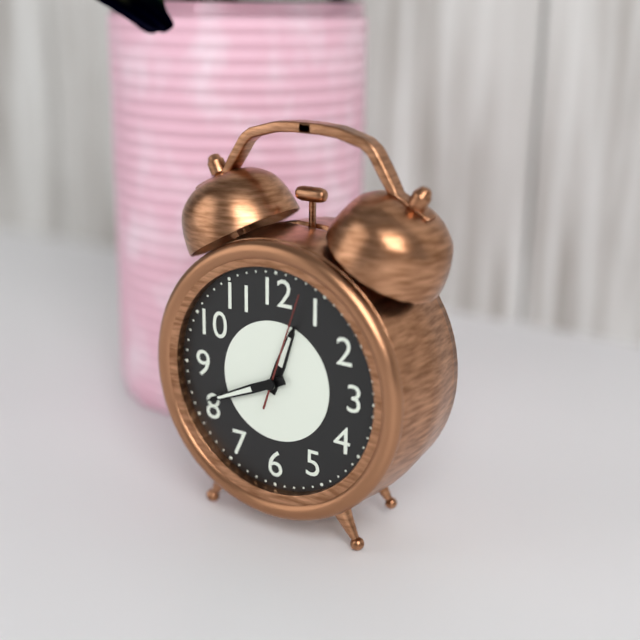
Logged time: 12,41,03
